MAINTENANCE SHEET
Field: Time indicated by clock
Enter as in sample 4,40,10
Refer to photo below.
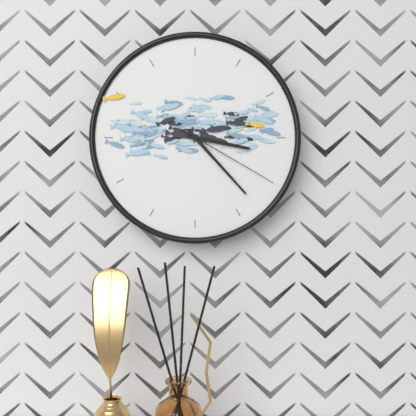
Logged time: 3,23,20
